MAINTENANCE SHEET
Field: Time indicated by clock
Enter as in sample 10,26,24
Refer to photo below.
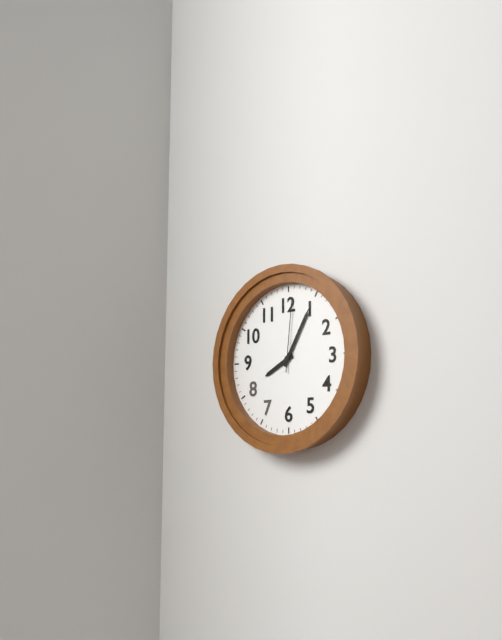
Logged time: 8,05,01
